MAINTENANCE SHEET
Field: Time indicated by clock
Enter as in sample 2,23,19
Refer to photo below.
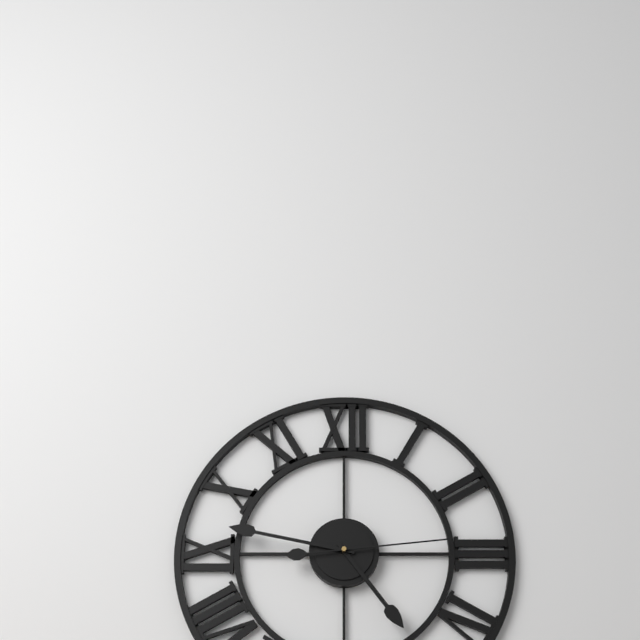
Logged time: 4,47,14
